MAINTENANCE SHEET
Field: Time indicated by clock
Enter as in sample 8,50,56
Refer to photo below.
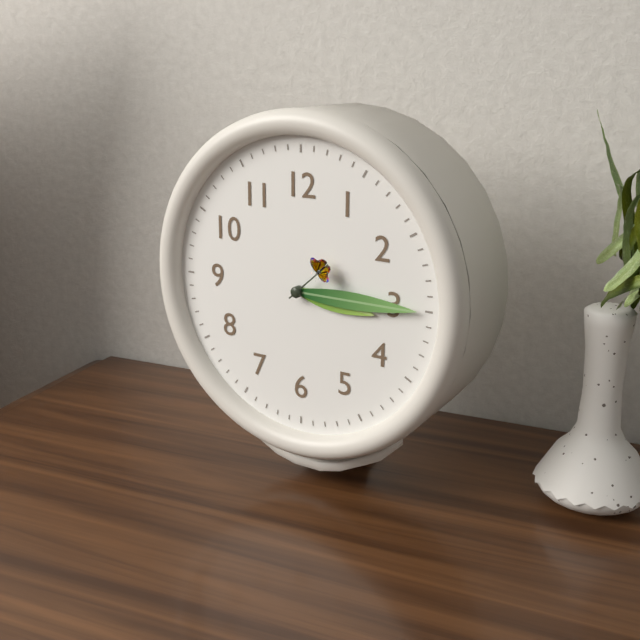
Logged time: 3,15,08
